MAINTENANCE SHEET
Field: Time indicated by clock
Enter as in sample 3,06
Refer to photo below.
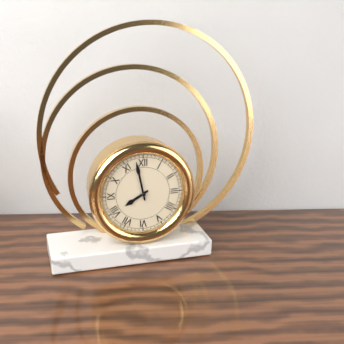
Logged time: 7,58
